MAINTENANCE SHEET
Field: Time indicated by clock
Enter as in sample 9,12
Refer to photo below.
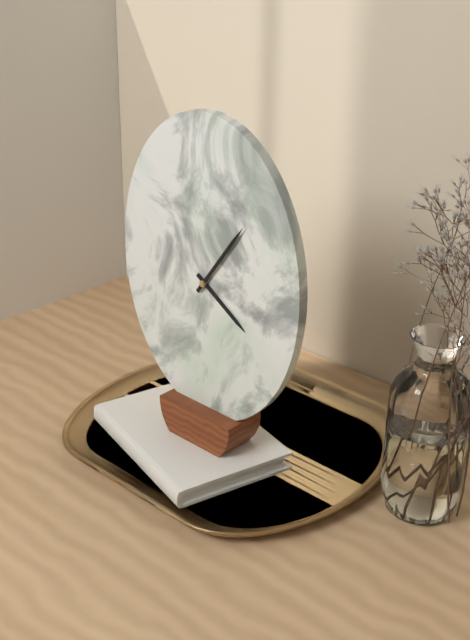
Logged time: 4,06
